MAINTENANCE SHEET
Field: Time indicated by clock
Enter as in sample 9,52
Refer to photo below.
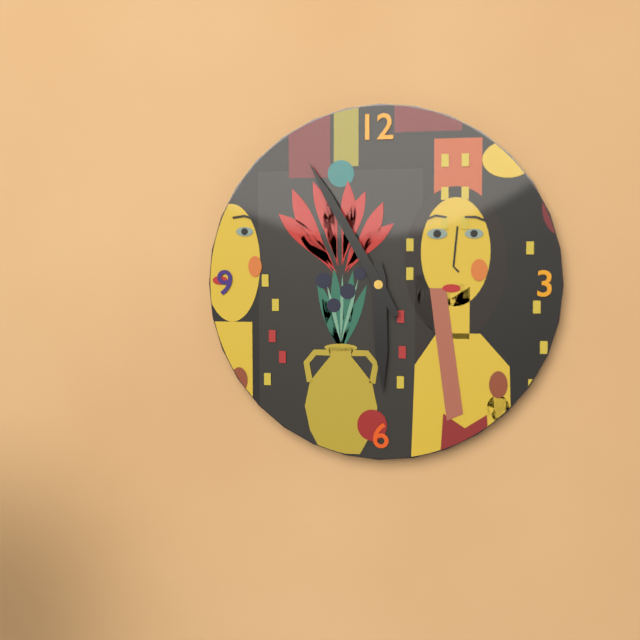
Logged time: 5,55
